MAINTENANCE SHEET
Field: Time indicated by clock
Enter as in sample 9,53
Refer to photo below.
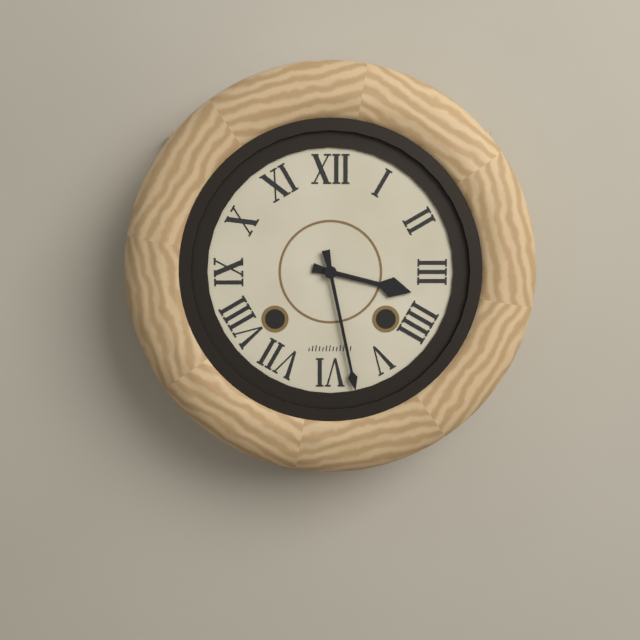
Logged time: 3,28
